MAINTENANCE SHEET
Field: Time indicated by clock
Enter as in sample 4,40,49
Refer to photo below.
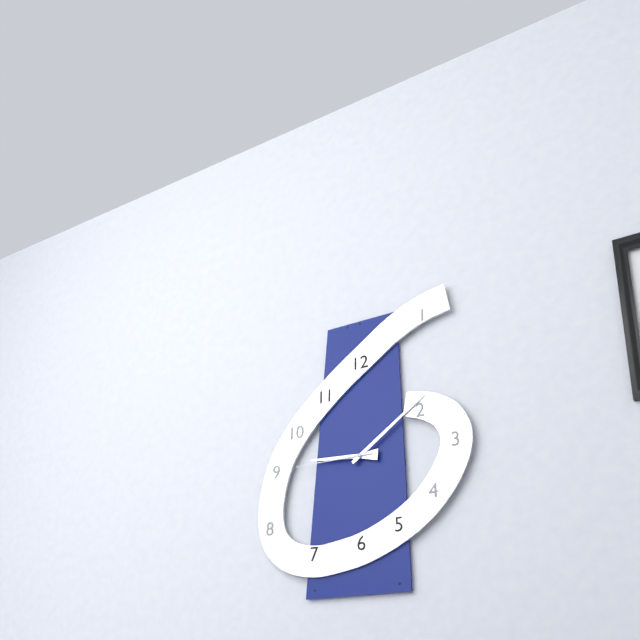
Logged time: 9,09,45
